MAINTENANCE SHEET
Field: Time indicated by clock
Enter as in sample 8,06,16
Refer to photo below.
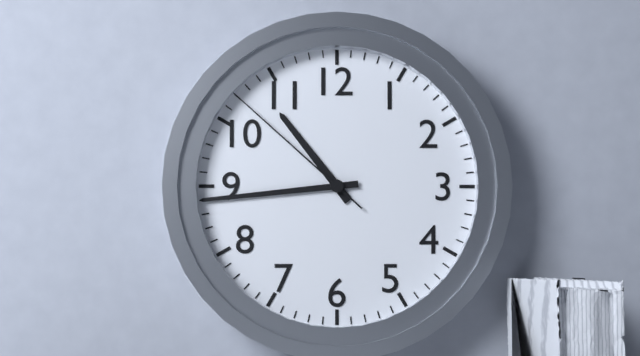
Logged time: 10,44,52
